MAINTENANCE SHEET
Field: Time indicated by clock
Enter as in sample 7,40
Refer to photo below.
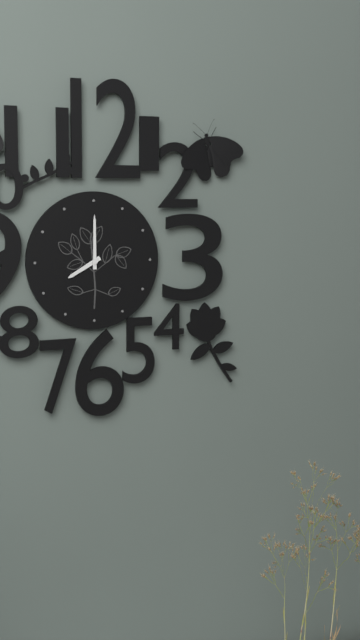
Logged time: 8,00
